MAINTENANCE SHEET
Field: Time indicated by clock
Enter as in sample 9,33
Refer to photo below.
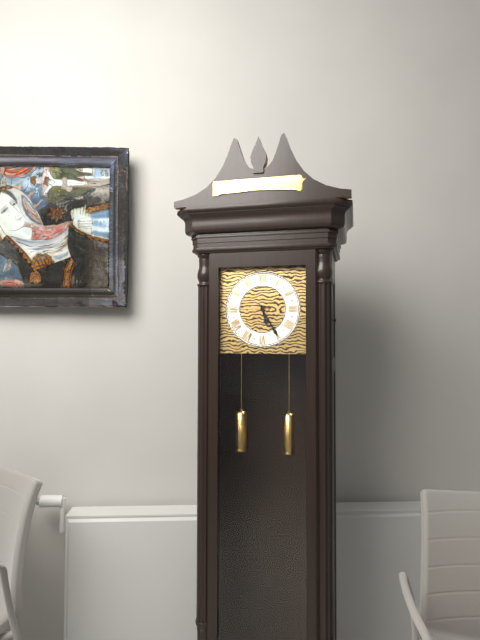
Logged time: 5,25
